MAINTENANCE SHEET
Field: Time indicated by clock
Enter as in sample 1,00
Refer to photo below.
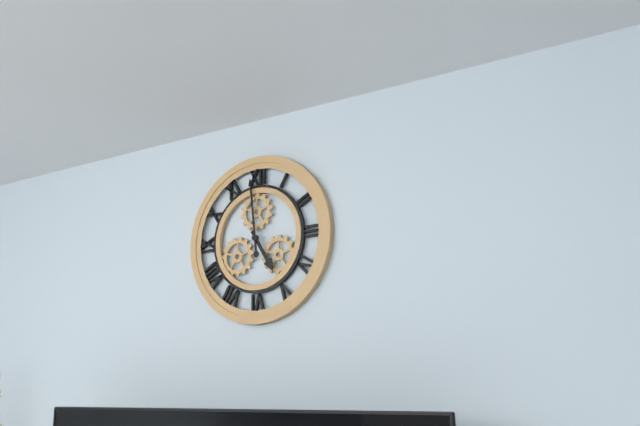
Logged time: 4,59
